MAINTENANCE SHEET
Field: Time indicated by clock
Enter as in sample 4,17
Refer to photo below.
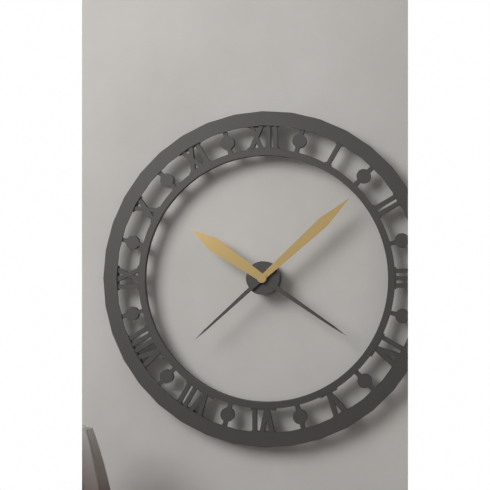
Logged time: 10,08
